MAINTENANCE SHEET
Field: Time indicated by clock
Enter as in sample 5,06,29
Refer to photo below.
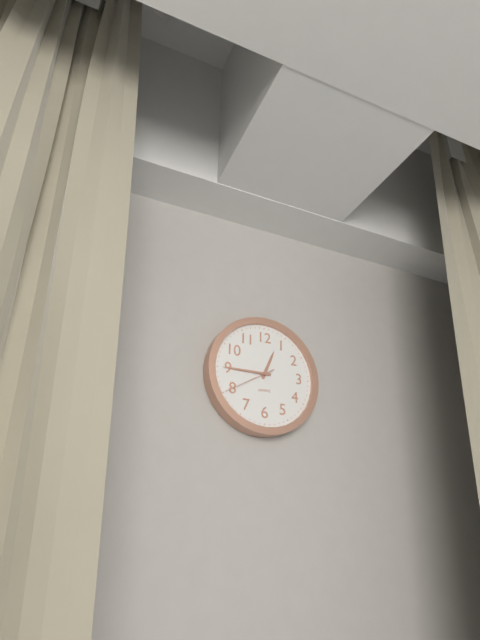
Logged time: 12,45,40
